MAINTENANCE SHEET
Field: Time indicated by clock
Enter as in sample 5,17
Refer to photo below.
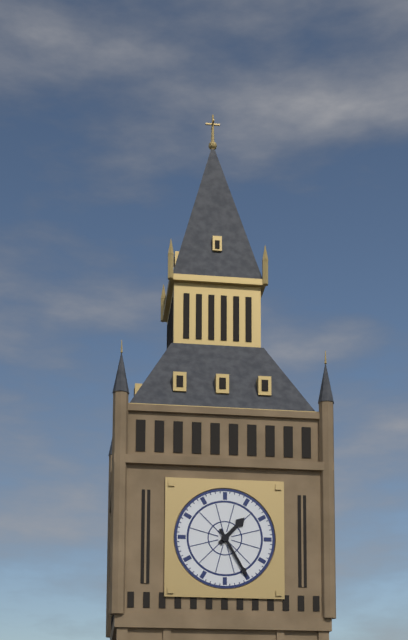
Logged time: 1,25
